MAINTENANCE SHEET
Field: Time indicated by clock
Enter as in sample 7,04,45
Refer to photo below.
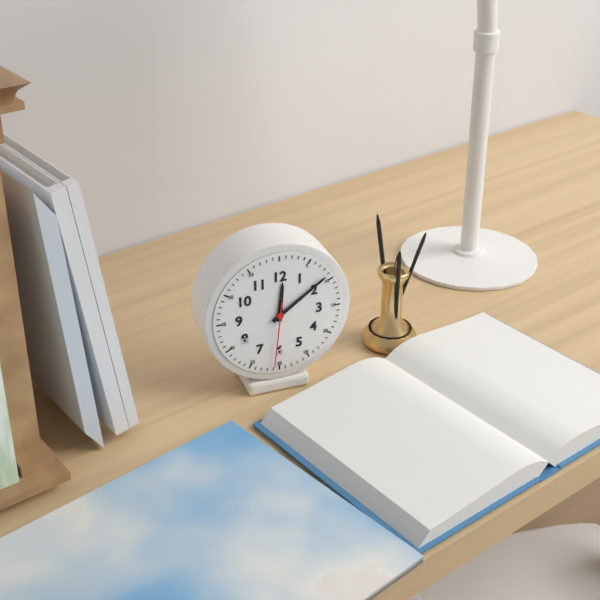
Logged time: 12,09,31
